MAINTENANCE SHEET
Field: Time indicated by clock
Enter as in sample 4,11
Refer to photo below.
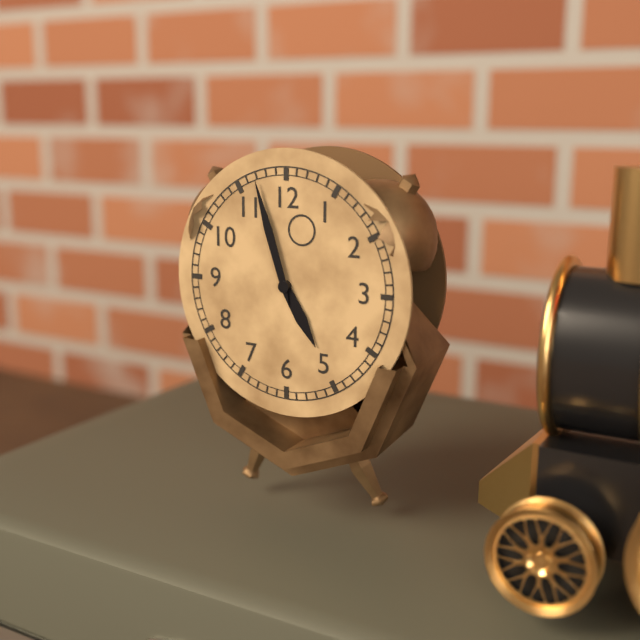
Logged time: 4,57
